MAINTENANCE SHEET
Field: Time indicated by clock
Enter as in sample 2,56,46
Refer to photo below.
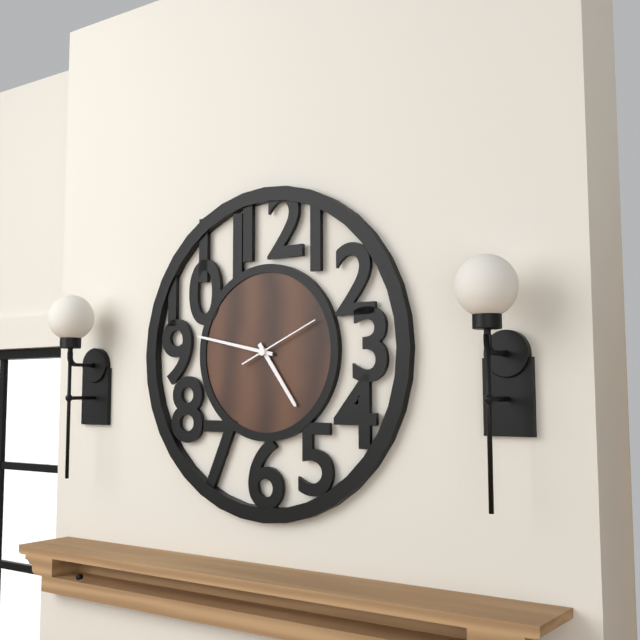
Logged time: 4,47,11
